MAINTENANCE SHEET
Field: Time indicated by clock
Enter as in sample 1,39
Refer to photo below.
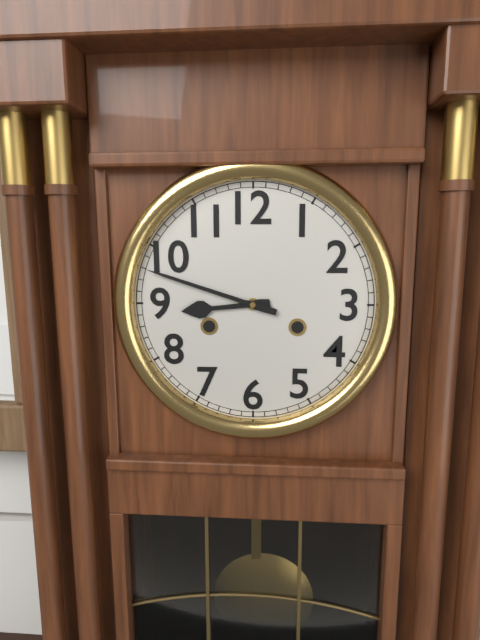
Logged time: 8,48
